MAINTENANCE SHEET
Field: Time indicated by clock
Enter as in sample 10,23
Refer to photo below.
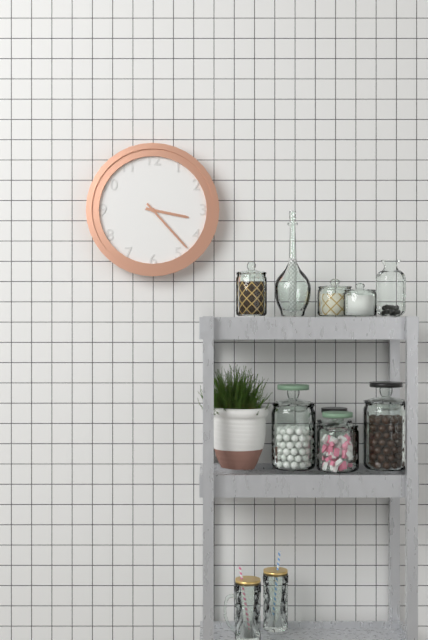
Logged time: 3,23
